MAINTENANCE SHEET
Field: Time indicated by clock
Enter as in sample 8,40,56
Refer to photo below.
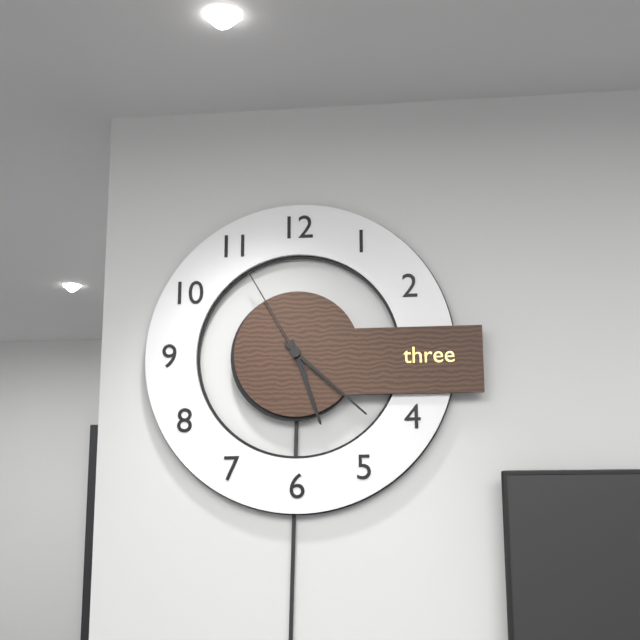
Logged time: 5,22,55
